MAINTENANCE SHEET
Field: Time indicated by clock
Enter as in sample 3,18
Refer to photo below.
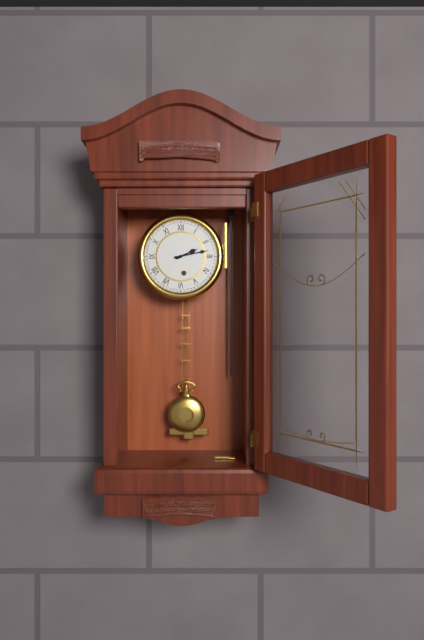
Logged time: 2,13
